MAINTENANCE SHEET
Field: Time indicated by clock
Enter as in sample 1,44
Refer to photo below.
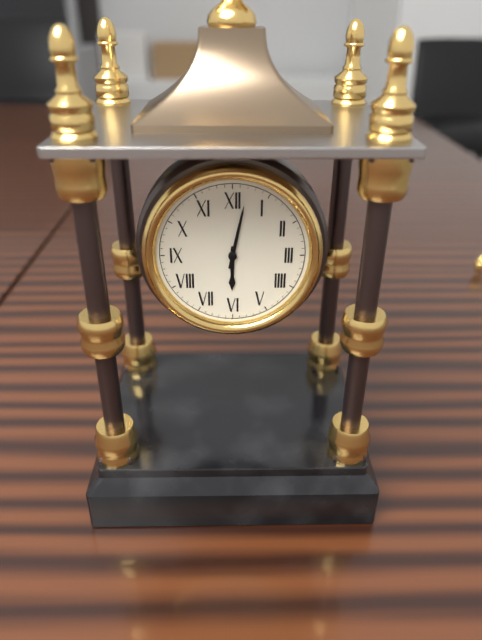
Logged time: 6,02
